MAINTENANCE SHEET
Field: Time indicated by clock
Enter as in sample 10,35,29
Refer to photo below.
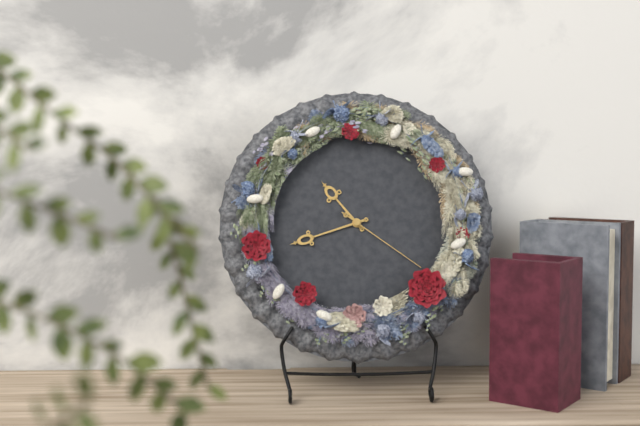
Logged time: 10,42,21
